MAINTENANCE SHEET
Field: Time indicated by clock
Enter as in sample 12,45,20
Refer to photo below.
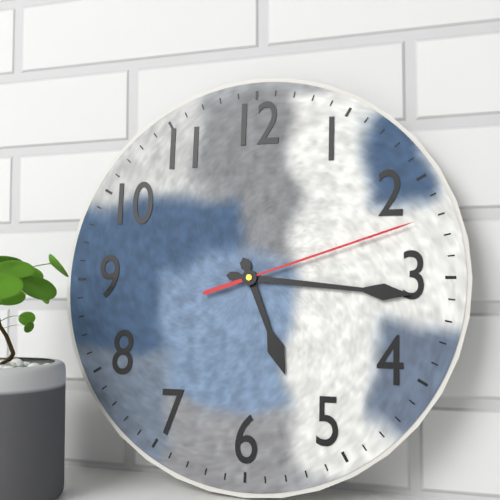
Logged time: 5,16,12
